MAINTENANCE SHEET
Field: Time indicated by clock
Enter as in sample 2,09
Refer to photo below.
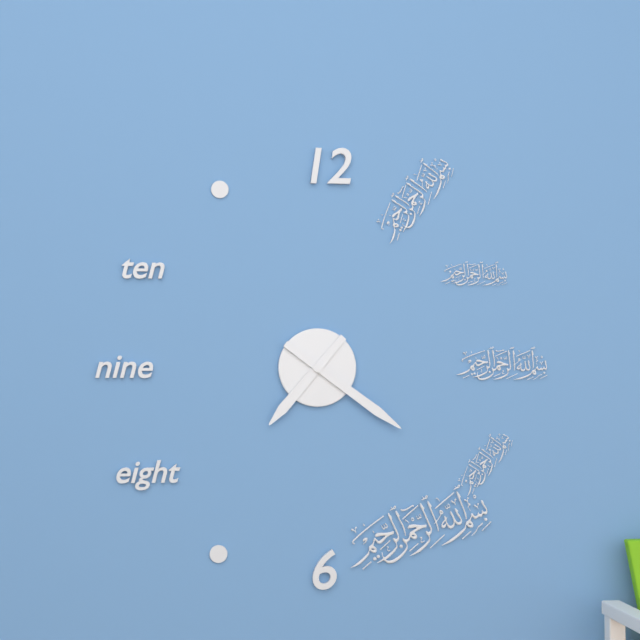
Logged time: 7,21
